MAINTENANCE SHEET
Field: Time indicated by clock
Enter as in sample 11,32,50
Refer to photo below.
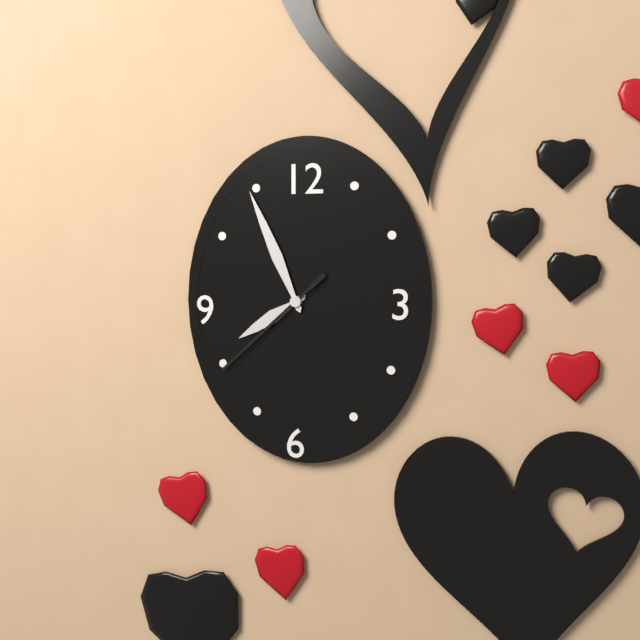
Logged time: 7,56,38
